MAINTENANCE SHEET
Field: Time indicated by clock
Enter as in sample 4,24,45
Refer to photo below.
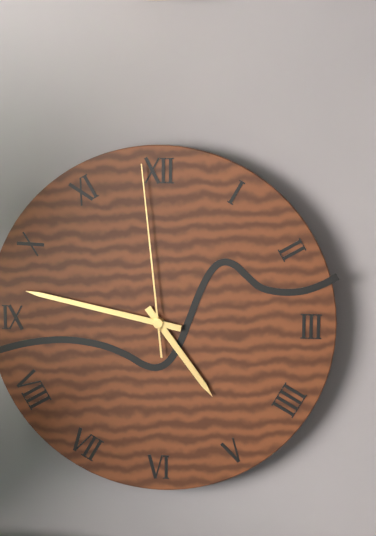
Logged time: 4,47,59
